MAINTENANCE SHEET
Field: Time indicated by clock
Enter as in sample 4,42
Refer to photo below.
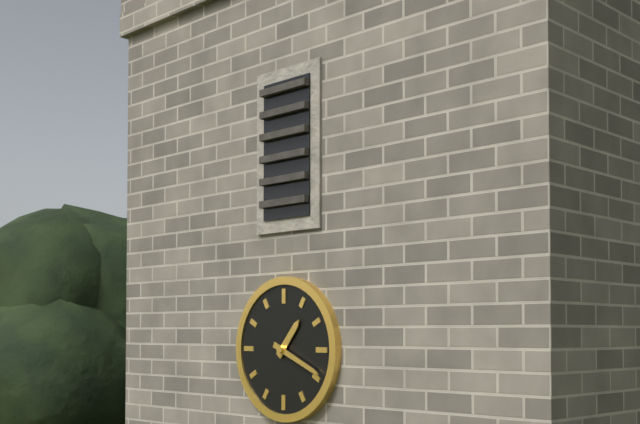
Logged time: 1,19
